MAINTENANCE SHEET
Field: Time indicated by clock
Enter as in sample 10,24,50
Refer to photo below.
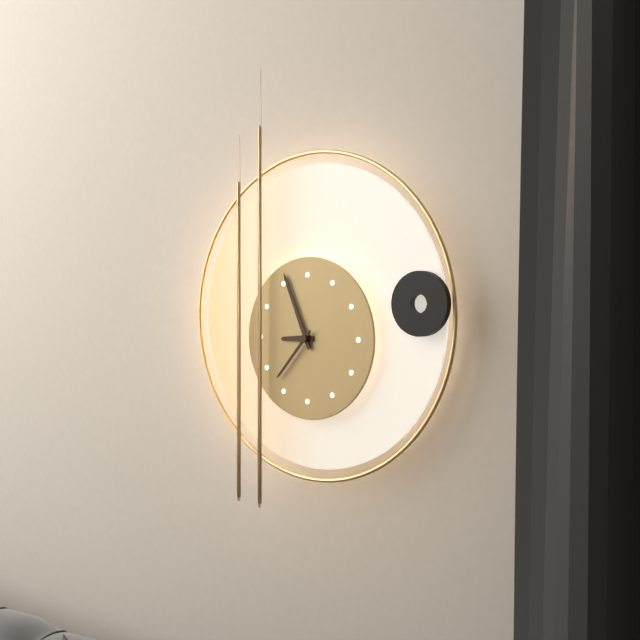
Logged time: 8,56,37
